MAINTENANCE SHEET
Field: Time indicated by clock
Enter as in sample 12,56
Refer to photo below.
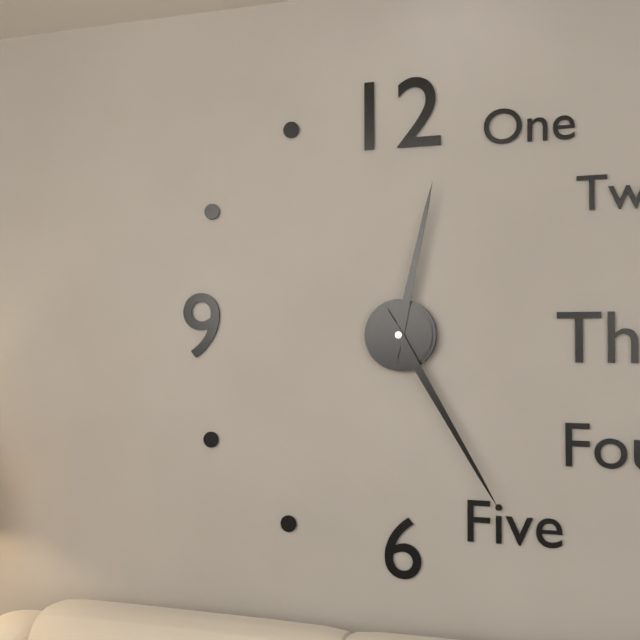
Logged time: 12,25
